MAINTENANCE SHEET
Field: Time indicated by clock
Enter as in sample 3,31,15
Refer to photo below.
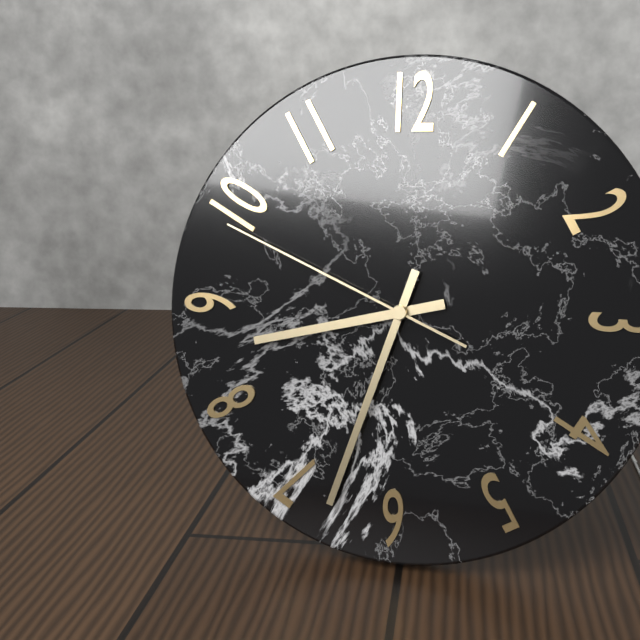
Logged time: 8,33,49
